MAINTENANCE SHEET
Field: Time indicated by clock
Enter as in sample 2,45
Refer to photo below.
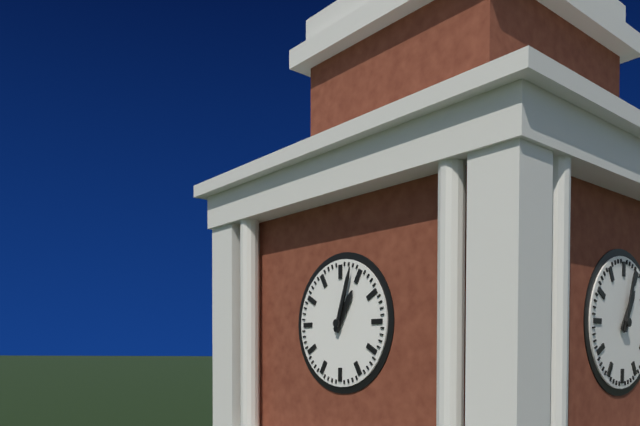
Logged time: 1,03
